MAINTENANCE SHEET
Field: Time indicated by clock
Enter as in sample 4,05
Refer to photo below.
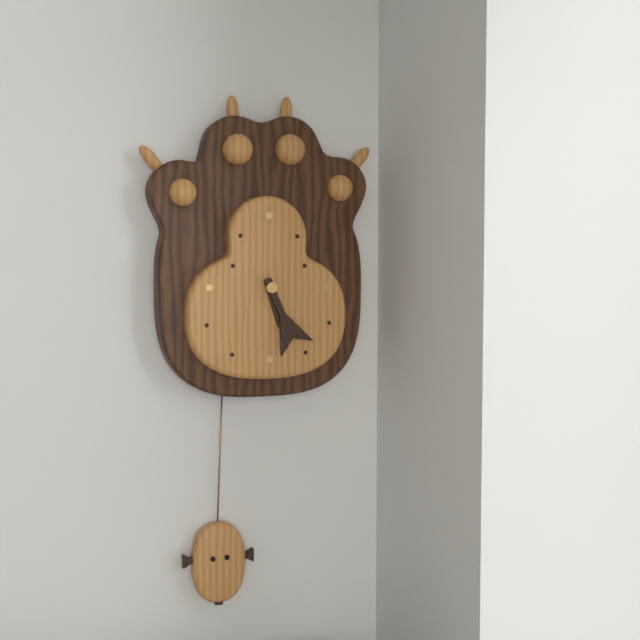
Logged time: 5,26
